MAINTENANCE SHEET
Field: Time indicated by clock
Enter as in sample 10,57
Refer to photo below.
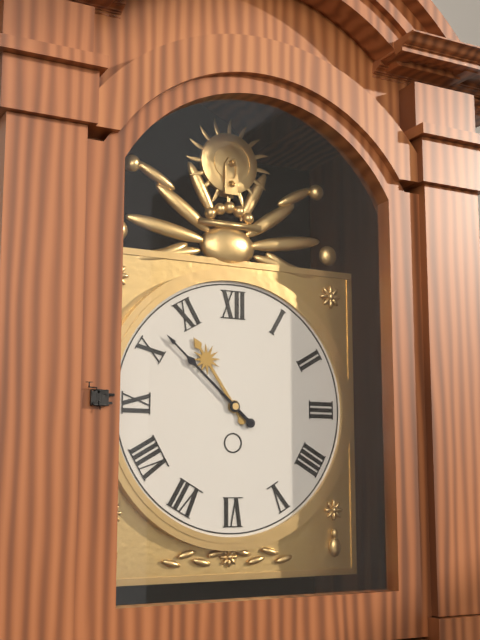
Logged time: 10,52
